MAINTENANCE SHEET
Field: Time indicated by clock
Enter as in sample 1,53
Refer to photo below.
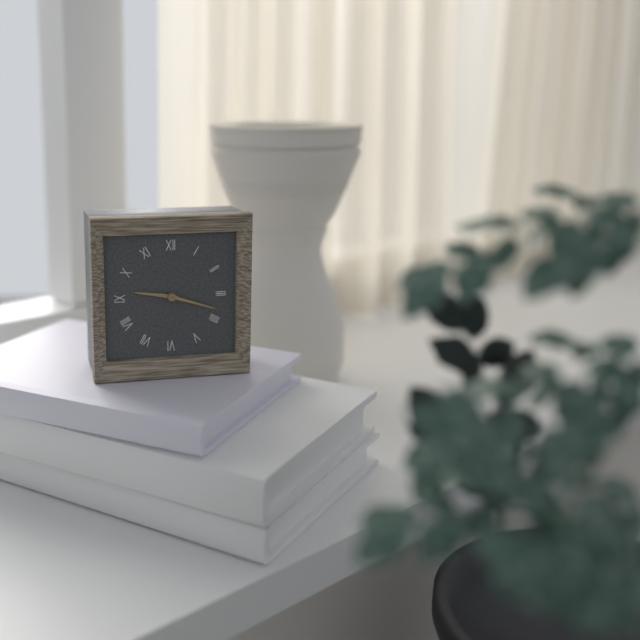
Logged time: 9,18
